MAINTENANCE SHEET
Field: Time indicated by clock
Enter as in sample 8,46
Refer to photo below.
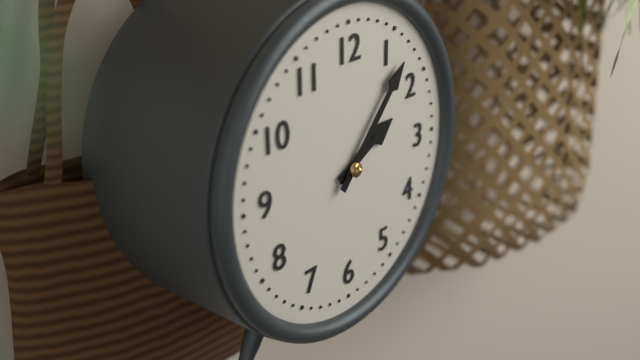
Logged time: 2,07
